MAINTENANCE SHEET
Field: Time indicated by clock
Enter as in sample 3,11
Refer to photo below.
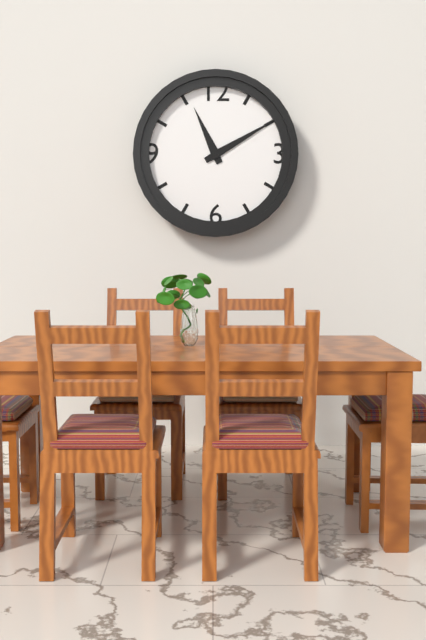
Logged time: 11,10
